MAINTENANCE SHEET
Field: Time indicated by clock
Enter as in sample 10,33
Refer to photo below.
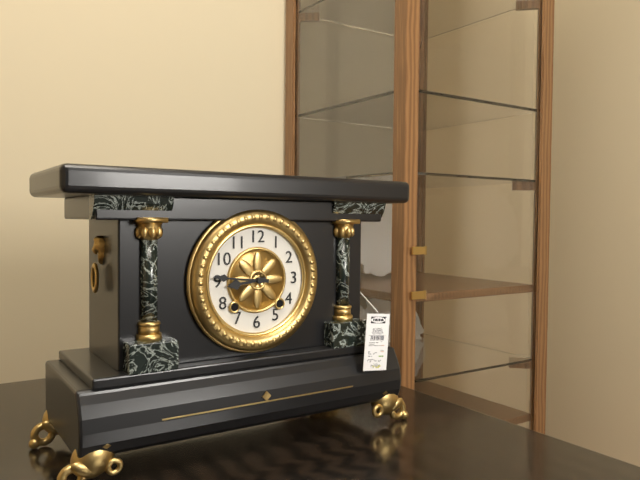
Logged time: 8,46
